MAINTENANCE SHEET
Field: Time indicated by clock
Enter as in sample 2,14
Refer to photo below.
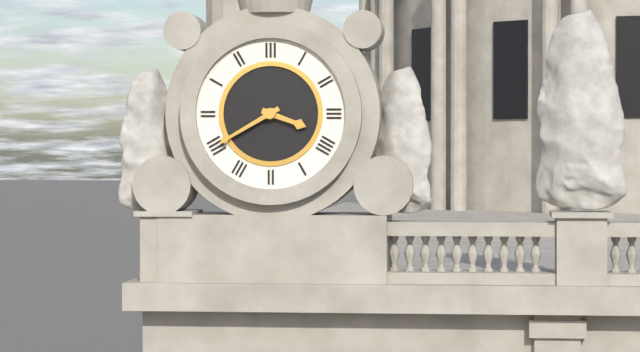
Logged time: 3,40
